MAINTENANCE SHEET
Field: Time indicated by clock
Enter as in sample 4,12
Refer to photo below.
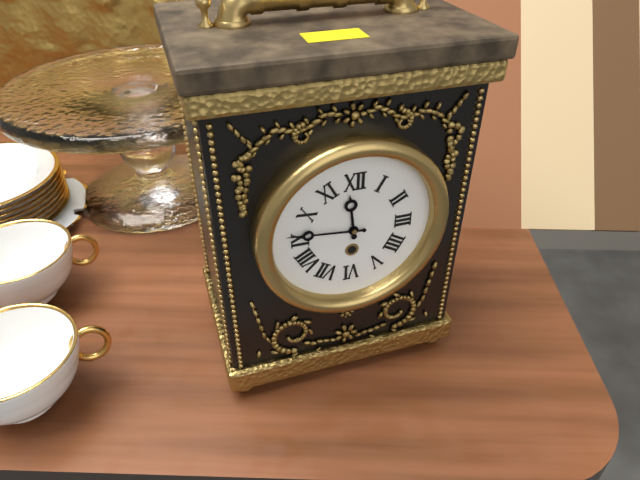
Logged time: 11,46
